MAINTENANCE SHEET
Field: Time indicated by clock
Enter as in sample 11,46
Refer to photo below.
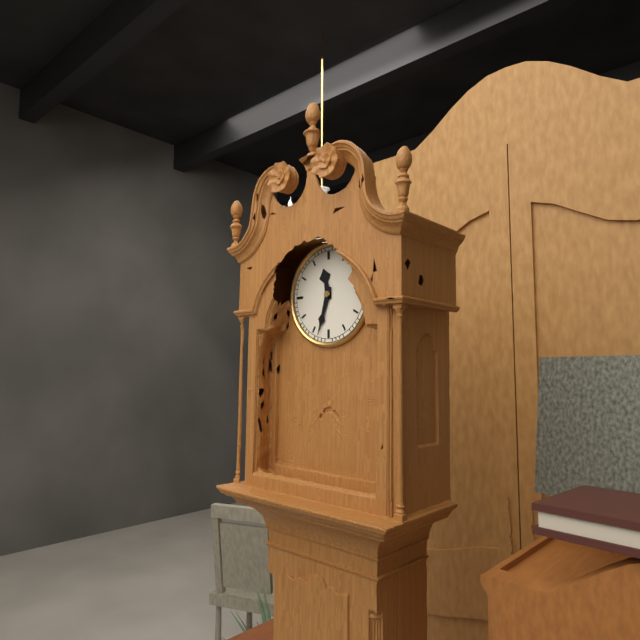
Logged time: 11,33
